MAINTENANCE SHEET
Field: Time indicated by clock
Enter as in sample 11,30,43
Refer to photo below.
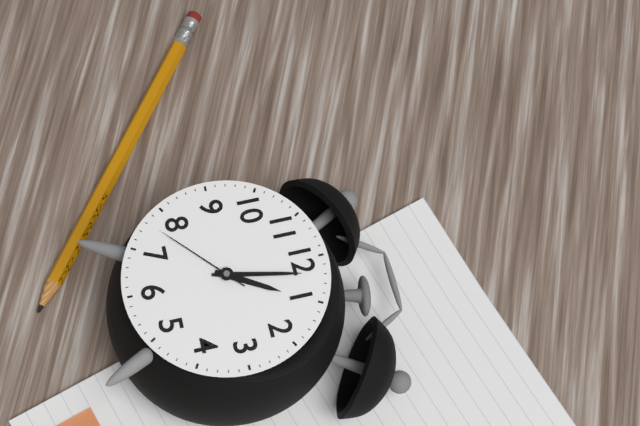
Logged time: 1,02,38
